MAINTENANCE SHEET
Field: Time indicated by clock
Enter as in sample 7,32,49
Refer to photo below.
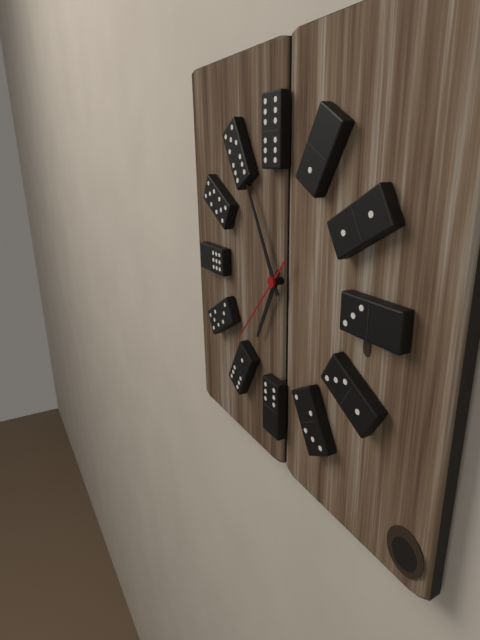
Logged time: 6,55,37
